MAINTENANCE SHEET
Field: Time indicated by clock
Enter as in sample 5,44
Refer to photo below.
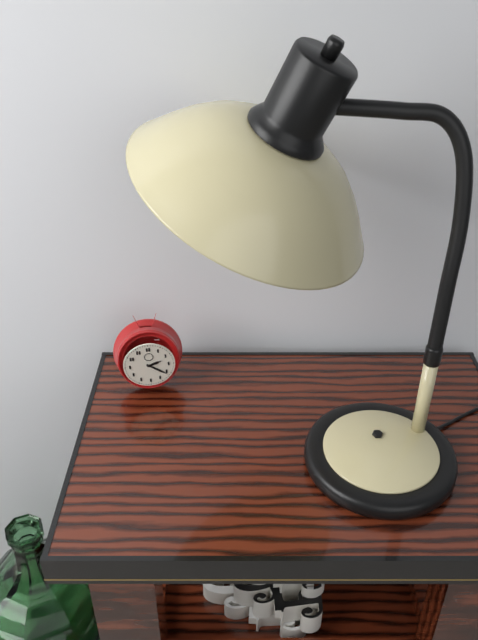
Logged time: 2,21
